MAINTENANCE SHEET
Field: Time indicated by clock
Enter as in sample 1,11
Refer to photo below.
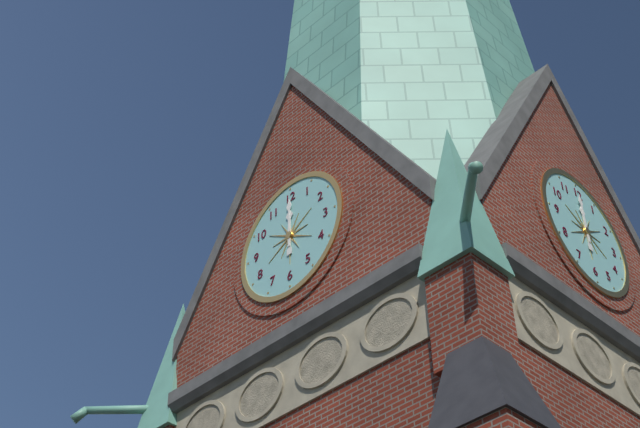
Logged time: 12,00
